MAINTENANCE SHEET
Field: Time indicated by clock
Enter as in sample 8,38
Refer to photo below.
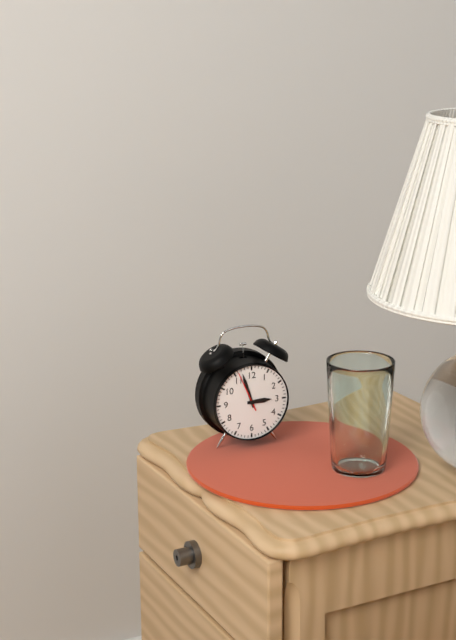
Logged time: 2,57
